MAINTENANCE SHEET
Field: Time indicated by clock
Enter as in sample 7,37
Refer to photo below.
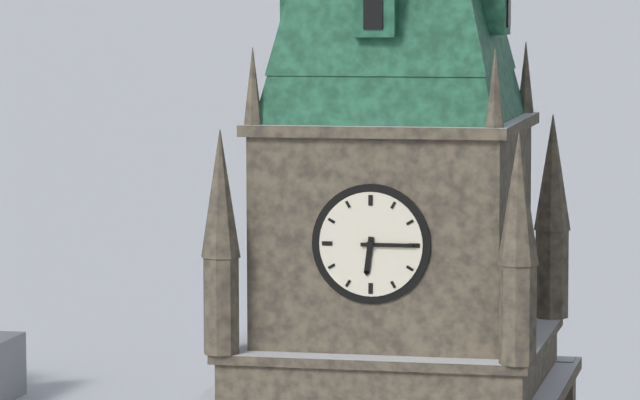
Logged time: 6,15
